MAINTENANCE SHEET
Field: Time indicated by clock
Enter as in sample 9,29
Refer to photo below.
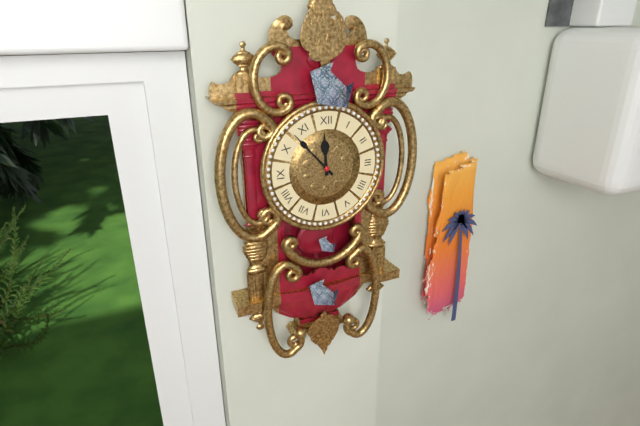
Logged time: 11,53
